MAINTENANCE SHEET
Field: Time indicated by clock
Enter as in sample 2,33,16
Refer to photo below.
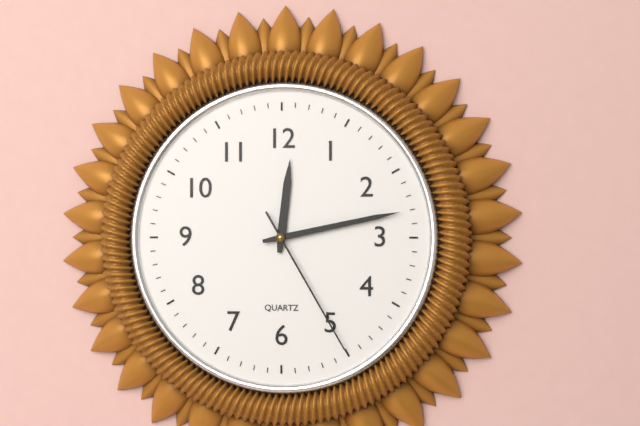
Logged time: 12,13,25
